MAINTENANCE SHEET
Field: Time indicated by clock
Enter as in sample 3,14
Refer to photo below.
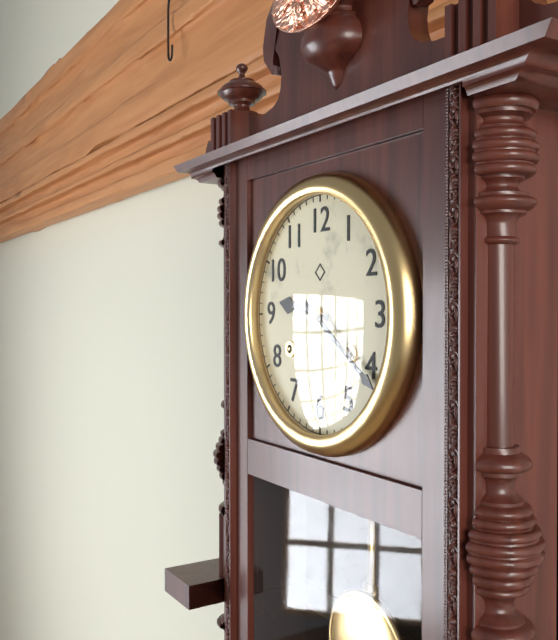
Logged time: 9,21
